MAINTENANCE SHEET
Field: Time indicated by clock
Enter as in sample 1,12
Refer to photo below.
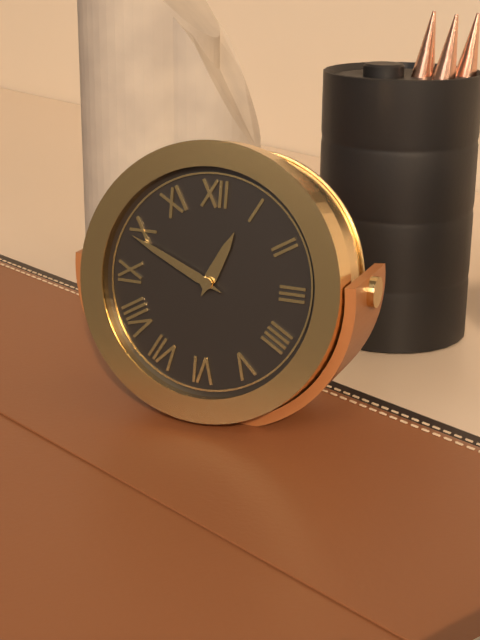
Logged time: 12,49
